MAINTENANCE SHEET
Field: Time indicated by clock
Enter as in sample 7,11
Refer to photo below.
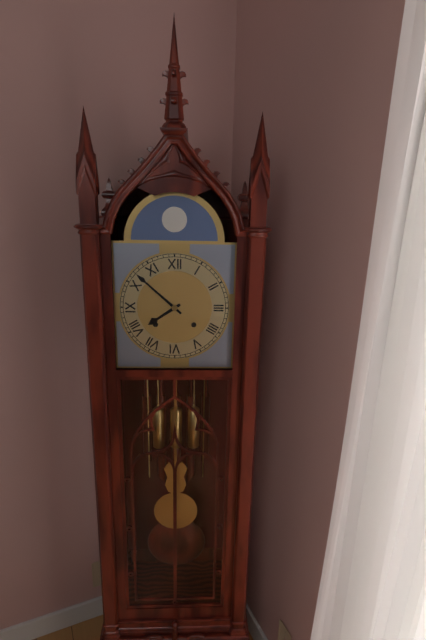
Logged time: 7,52
